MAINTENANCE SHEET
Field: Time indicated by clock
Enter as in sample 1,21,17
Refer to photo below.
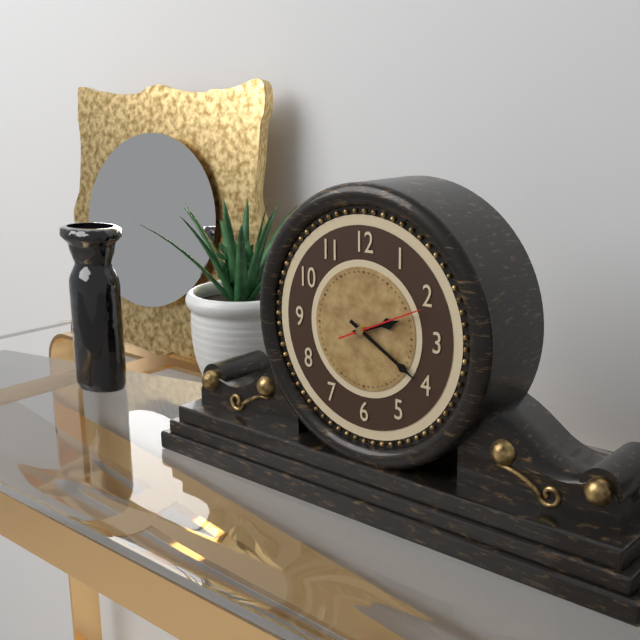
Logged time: 2,20,11
